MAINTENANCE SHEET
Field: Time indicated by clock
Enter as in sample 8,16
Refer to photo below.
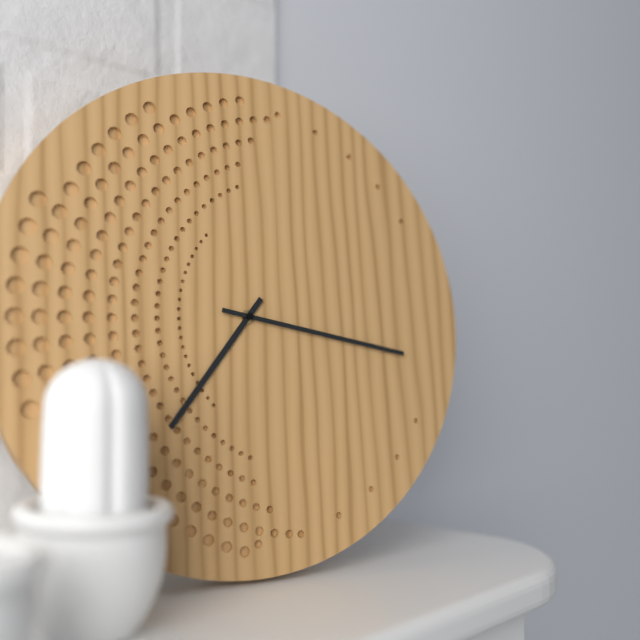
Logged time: 7,17
